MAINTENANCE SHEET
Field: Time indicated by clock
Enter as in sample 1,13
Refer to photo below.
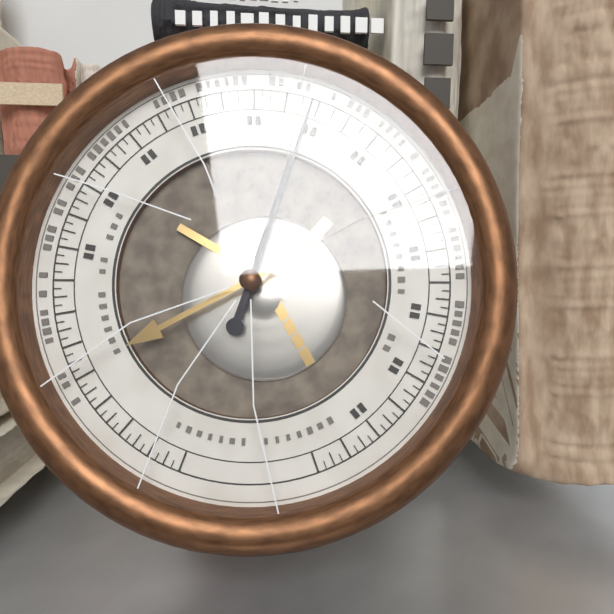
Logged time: 8,03
